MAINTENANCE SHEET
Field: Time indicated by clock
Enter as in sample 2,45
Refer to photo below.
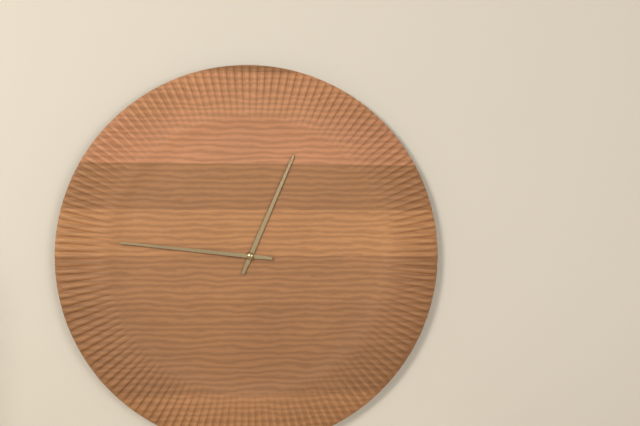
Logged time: 12,46
